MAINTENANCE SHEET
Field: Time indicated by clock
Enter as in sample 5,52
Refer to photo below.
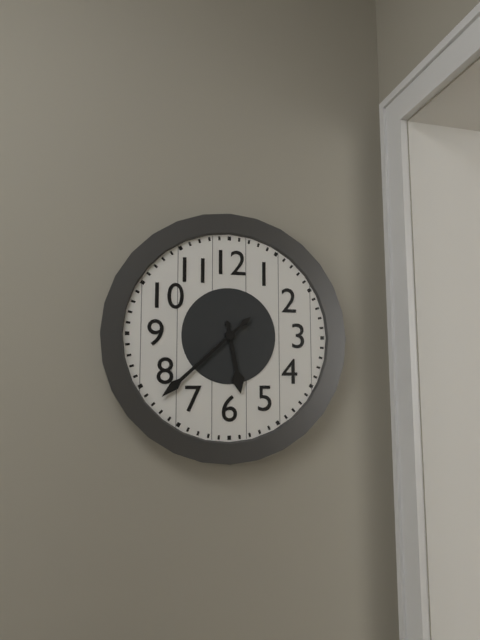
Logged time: 5,38
